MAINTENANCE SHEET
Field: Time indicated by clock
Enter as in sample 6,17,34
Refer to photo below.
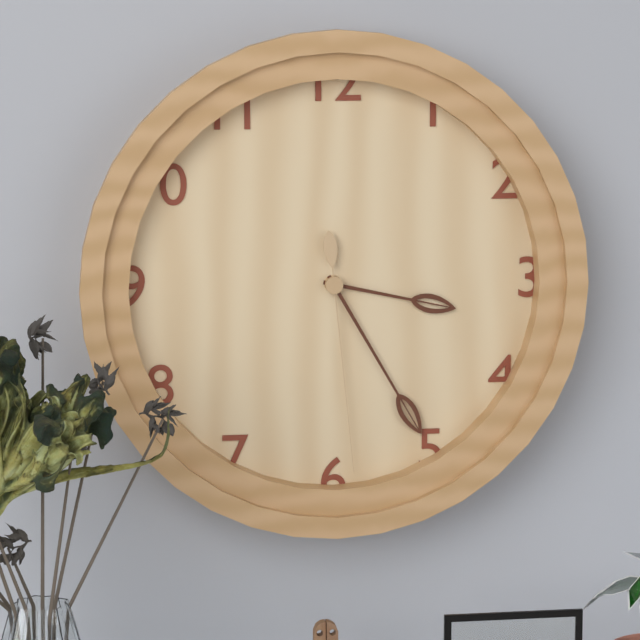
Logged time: 3,25,29
